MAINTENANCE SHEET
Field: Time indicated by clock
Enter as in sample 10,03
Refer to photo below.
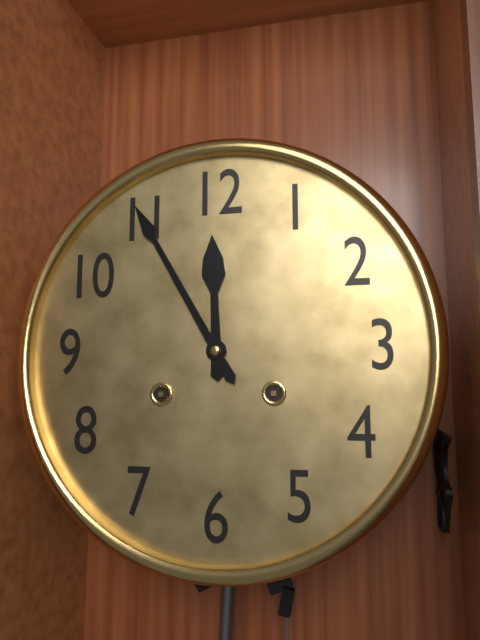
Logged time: 11,55
